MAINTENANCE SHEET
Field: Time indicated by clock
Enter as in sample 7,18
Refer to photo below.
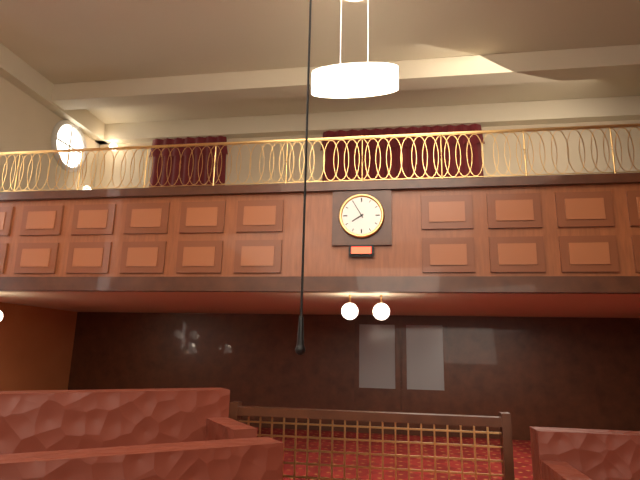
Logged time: 7,55
